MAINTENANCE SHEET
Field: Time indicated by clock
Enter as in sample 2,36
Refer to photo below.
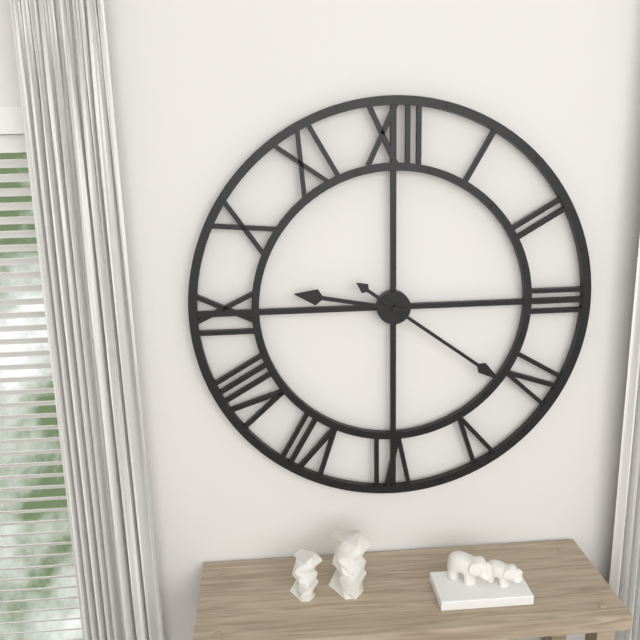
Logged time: 9,21
